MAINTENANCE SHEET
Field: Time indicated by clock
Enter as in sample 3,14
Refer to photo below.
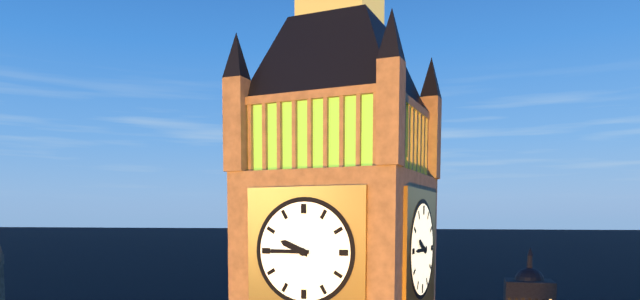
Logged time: 9,45
